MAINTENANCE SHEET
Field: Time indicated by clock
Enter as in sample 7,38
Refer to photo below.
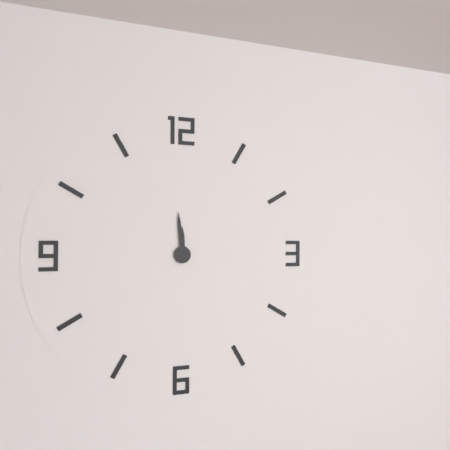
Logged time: 11,59
